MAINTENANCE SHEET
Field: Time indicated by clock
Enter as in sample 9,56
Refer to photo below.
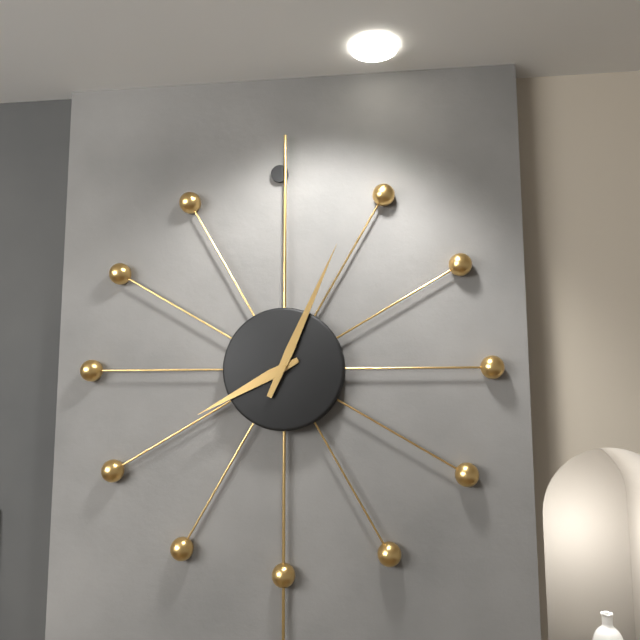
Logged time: 8,04
